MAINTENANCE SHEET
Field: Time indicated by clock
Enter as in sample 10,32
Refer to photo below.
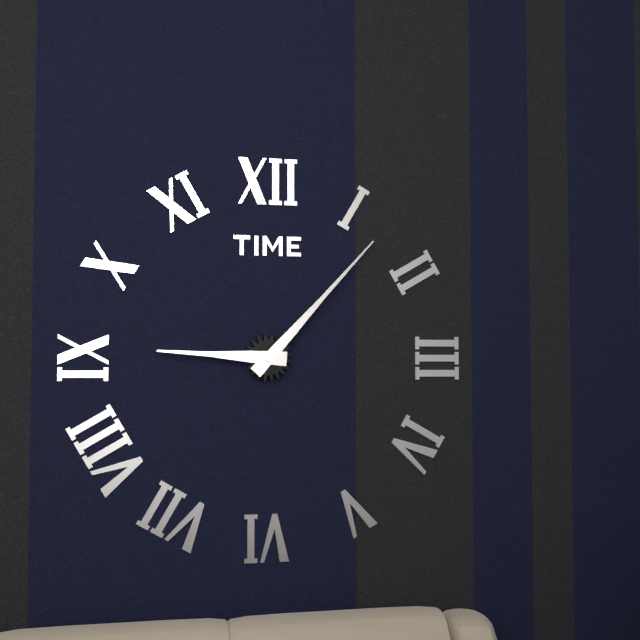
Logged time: 9,07
